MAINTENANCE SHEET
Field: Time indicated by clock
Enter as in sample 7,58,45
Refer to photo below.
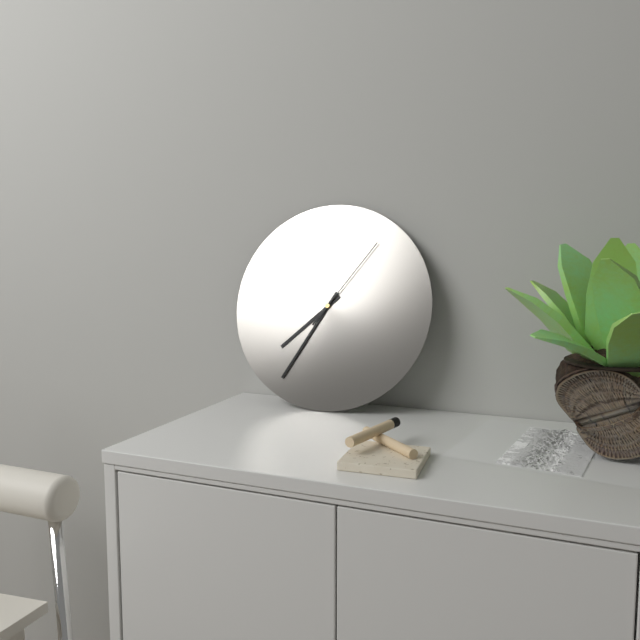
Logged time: 7,35,06
